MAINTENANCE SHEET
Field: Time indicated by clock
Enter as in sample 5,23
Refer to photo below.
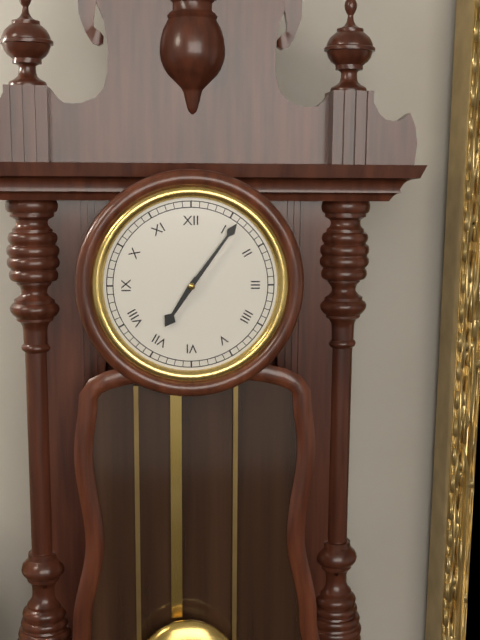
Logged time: 7,06
